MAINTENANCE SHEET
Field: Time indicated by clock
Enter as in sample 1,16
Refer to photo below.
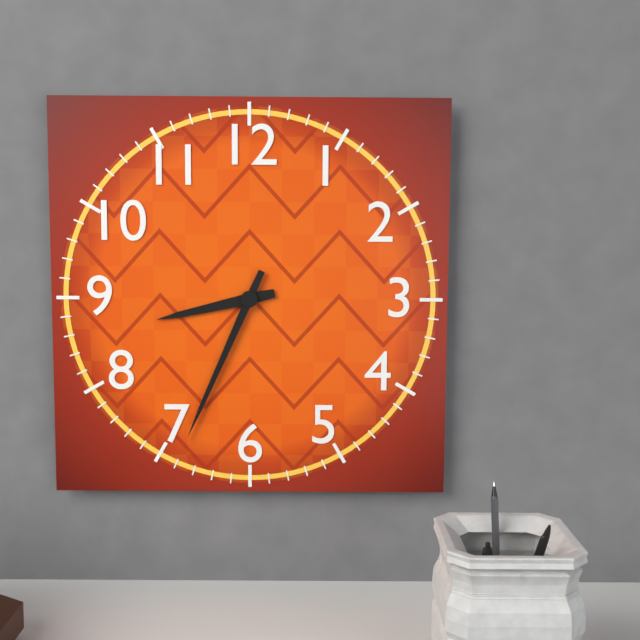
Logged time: 8,34
